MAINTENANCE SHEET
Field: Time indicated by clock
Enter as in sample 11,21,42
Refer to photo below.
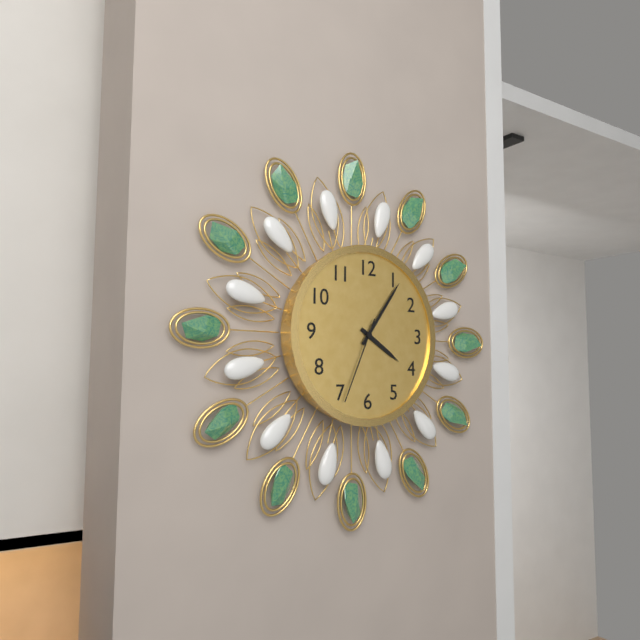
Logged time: 4,06,34
